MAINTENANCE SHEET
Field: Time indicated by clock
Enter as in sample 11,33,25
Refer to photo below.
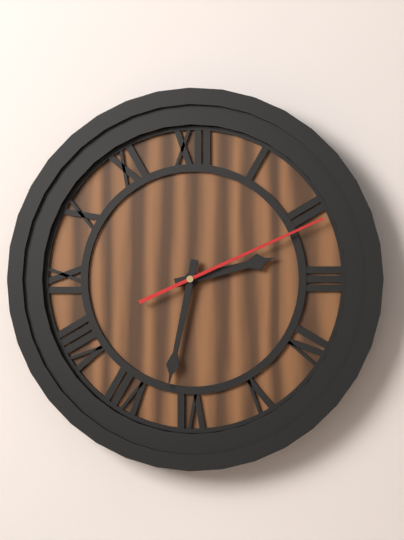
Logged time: 2,32,11
